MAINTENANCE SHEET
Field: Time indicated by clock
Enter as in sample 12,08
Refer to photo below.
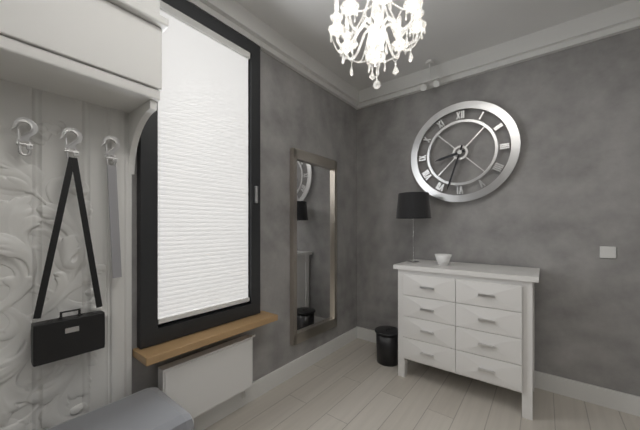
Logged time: 8,33
